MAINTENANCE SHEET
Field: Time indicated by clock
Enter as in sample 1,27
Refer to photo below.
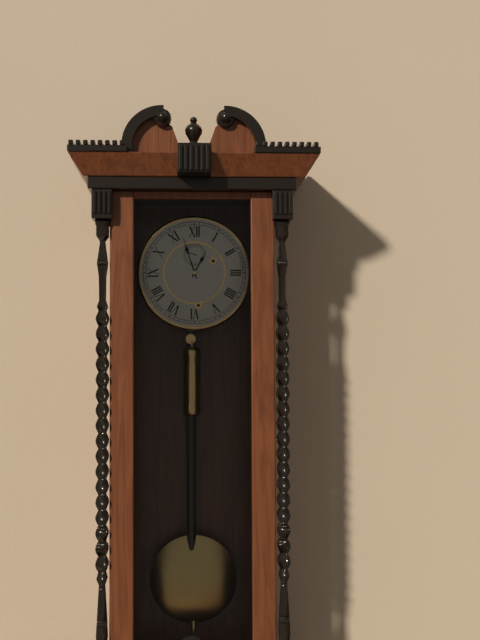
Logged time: 12,57
